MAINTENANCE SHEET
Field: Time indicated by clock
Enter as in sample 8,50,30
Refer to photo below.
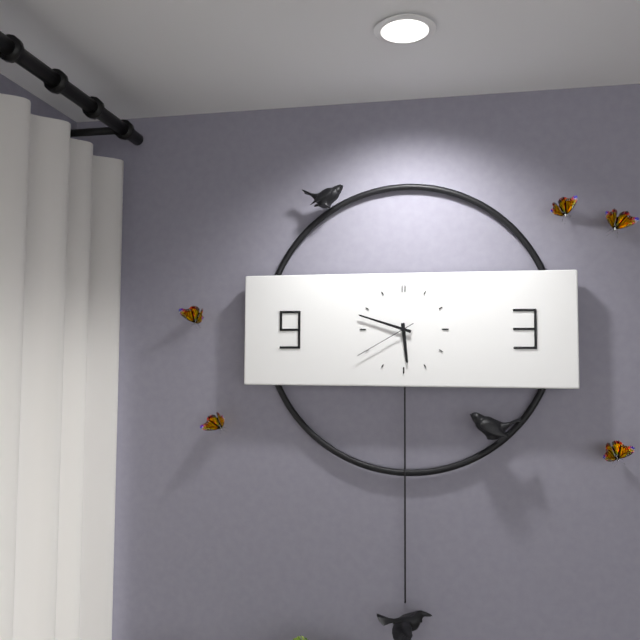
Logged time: 5,48,40
